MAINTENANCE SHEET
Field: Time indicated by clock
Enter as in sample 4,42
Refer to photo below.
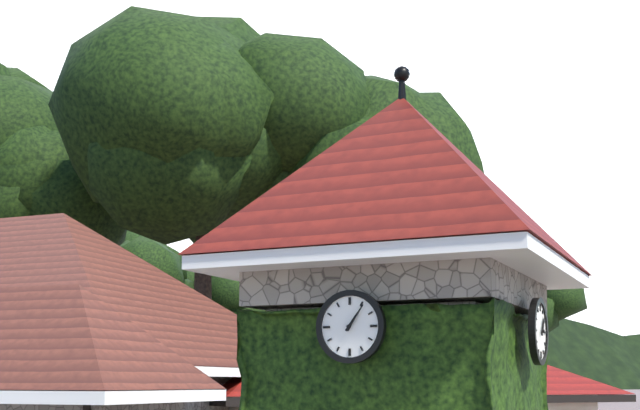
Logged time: 1,06
